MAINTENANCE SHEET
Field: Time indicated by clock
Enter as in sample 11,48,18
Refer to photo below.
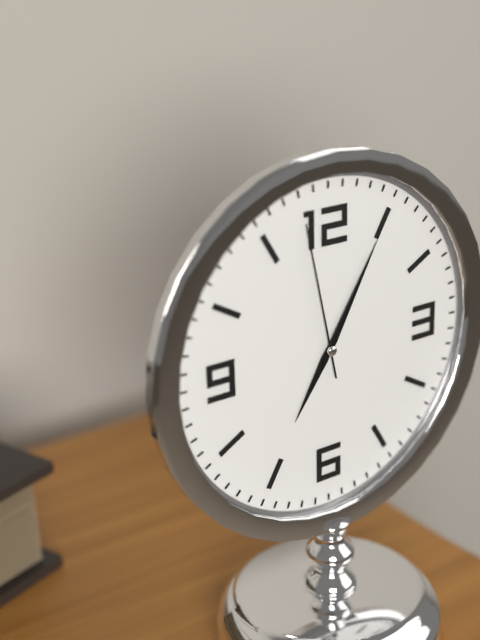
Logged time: 7,05,58
